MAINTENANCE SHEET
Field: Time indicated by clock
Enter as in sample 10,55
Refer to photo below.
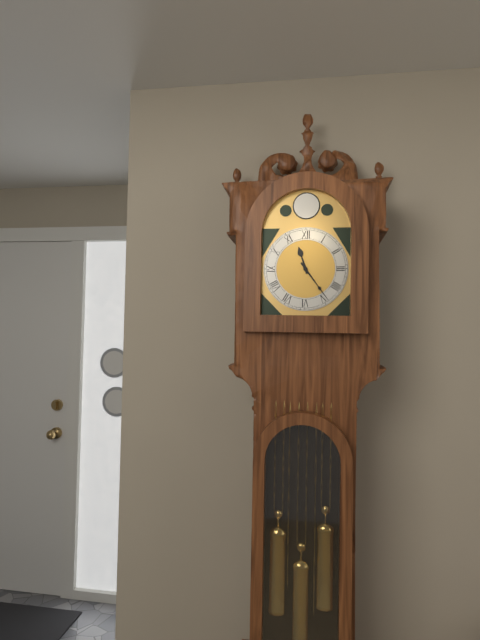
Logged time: 11,24
